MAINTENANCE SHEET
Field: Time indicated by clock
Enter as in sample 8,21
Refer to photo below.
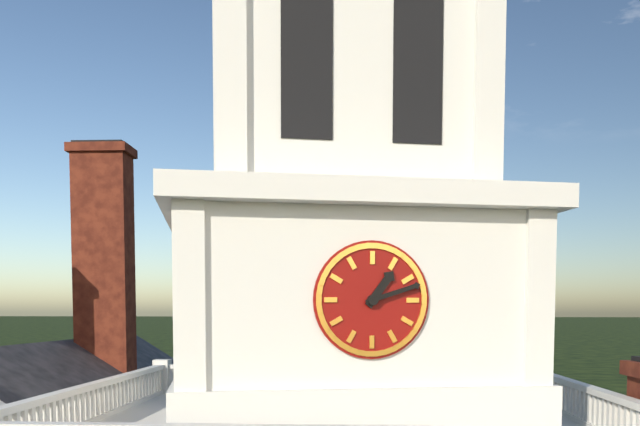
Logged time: 1,12
